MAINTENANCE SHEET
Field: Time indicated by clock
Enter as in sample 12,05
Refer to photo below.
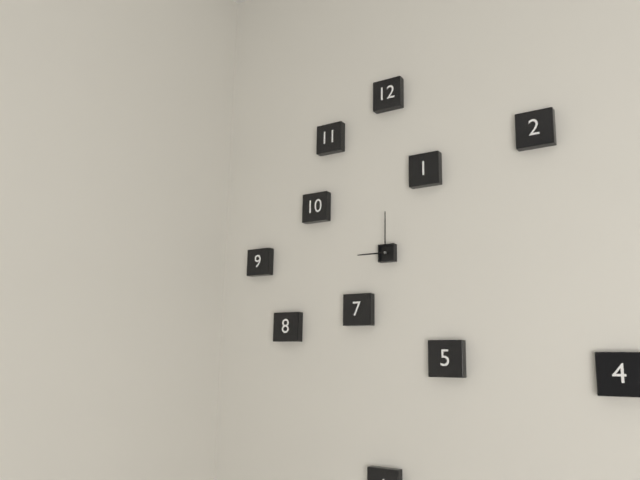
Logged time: 9,00
